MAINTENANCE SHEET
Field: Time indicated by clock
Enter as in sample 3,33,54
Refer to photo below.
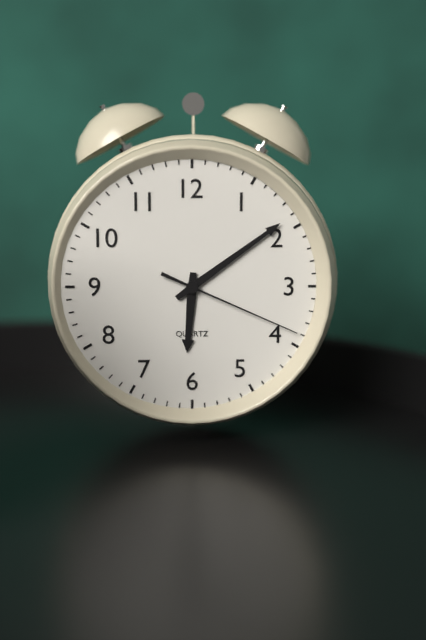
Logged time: 6,09,19
